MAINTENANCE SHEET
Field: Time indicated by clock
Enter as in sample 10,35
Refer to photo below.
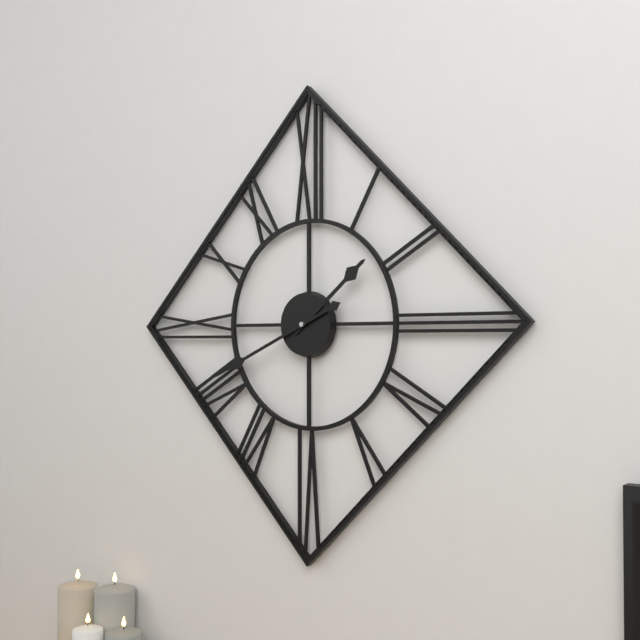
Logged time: 1,41
